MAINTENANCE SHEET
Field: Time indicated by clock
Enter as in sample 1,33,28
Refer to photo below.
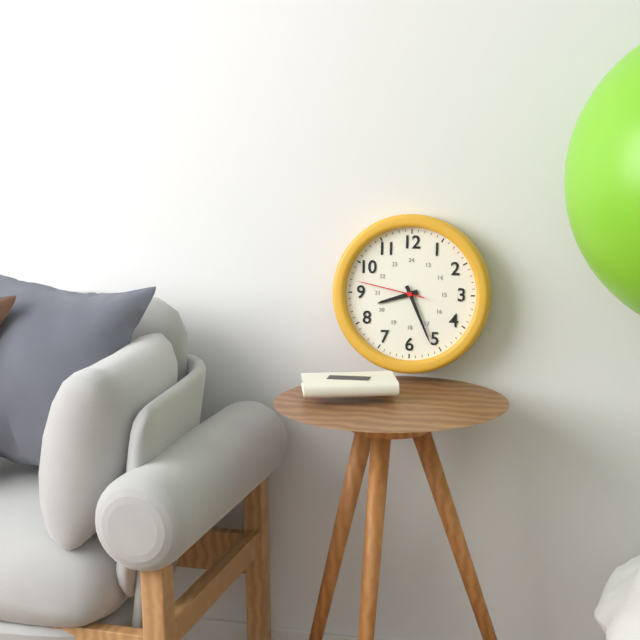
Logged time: 8,26,47
